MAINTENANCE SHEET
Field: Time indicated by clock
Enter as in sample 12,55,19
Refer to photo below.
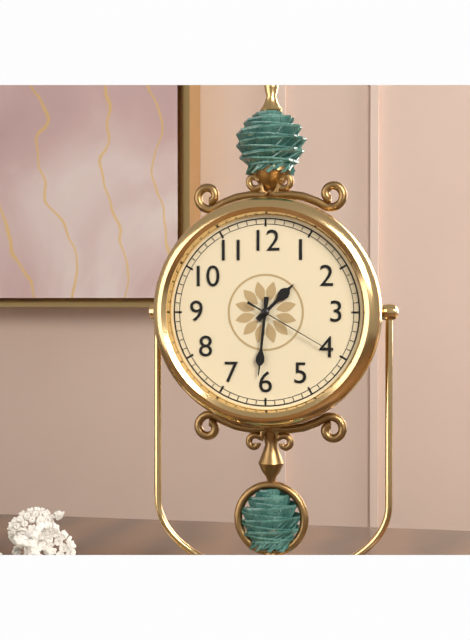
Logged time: 1,31,20
